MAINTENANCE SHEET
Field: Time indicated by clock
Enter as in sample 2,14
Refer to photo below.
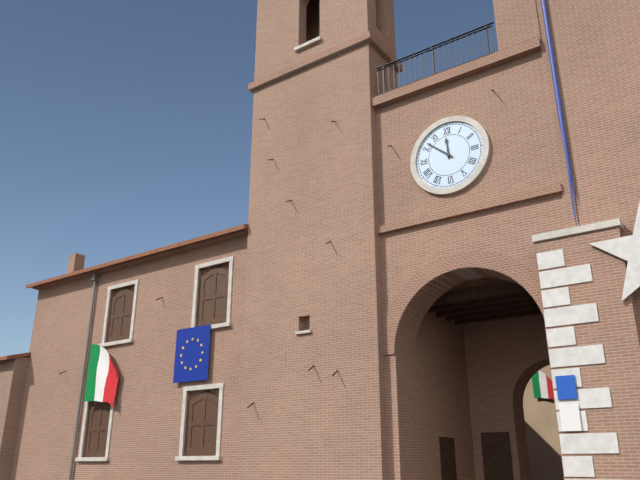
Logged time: 11,52
